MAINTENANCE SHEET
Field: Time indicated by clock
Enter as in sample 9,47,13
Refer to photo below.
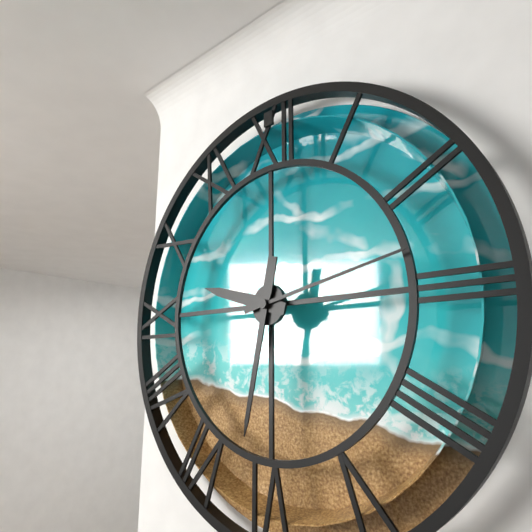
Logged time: 9,32,13
